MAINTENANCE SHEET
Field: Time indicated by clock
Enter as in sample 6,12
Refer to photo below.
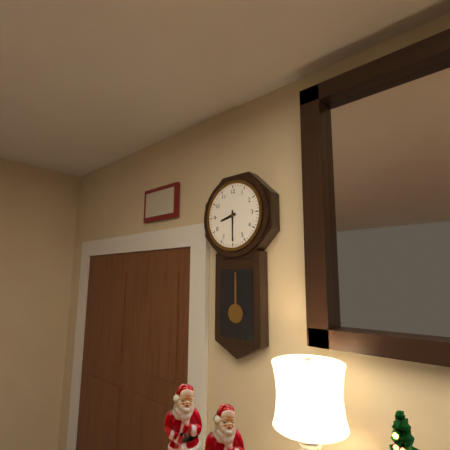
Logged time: 8,30
